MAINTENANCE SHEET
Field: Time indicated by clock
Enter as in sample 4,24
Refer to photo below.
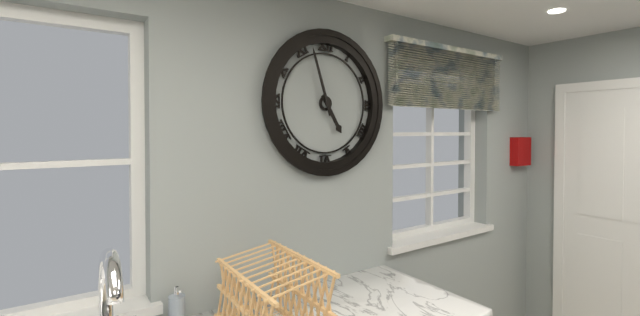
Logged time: 4,57
